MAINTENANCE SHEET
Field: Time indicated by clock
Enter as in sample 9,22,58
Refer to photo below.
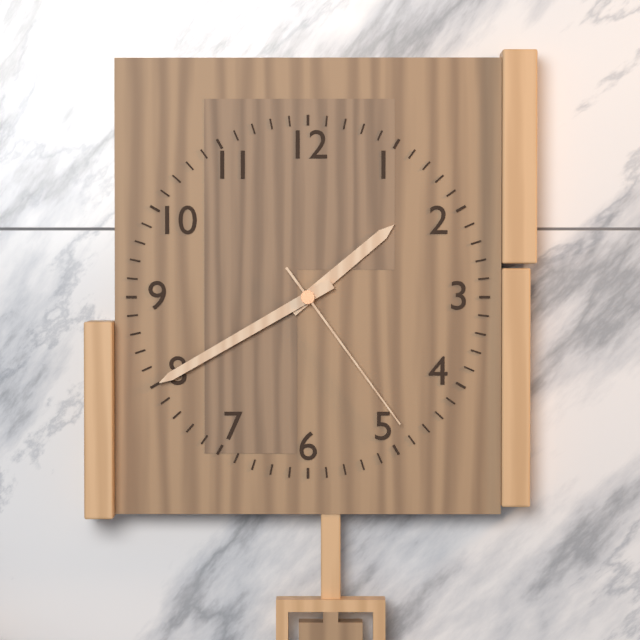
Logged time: 1,40,24
